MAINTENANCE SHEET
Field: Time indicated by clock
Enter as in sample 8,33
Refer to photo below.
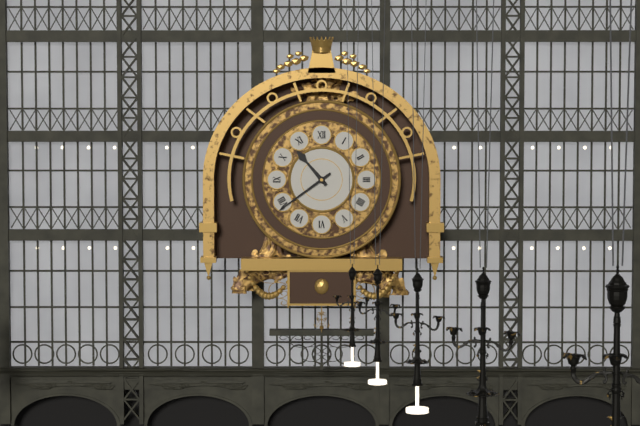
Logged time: 10,39
